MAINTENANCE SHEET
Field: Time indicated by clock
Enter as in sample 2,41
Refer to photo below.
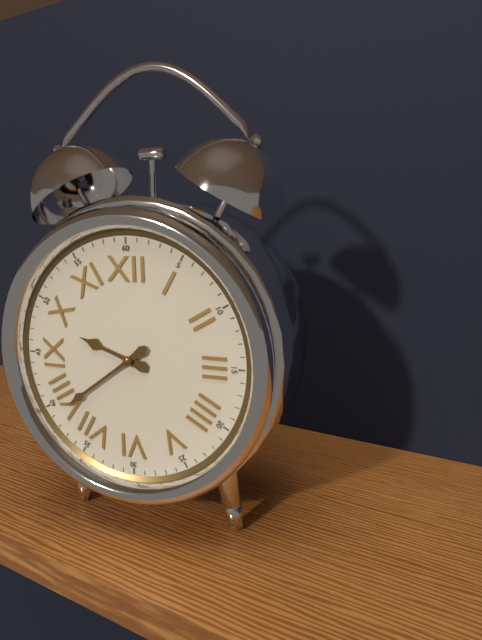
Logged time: 9,39
